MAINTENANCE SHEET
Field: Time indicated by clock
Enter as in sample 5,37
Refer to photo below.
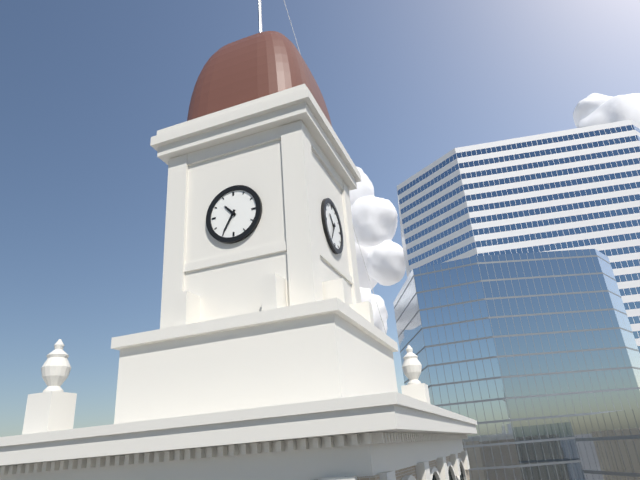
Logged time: 10,35
